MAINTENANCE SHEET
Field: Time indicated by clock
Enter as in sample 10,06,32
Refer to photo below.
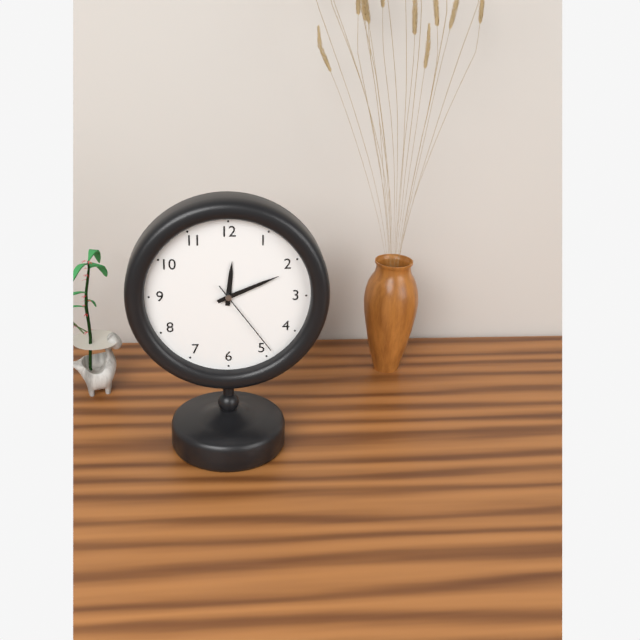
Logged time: 12,11,24
